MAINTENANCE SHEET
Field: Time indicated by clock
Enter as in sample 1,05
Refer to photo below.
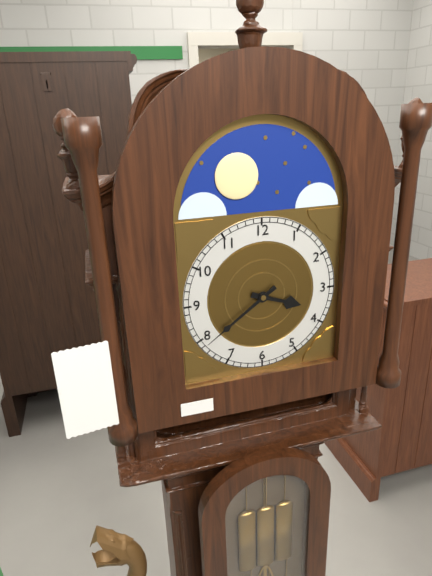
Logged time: 3,39
